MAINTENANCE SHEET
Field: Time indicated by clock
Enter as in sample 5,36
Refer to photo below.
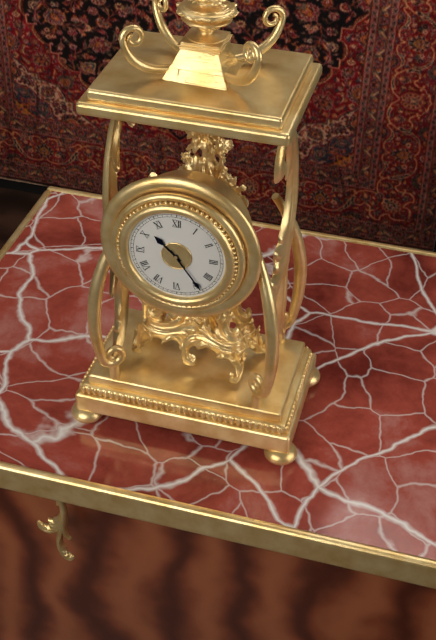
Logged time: 10,24
